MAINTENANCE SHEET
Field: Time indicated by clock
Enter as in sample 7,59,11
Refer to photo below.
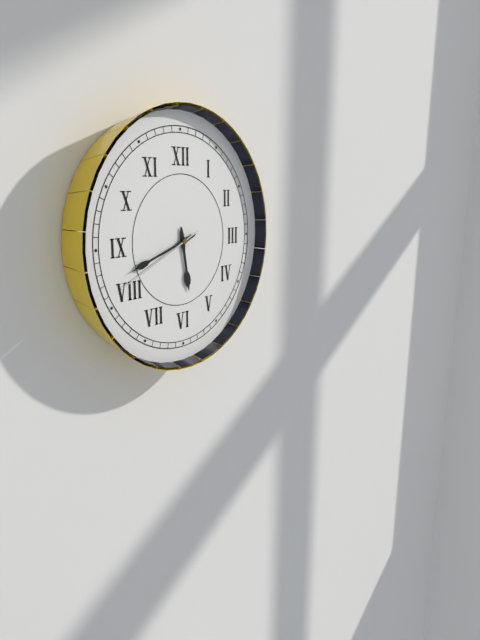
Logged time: 5,42,41
